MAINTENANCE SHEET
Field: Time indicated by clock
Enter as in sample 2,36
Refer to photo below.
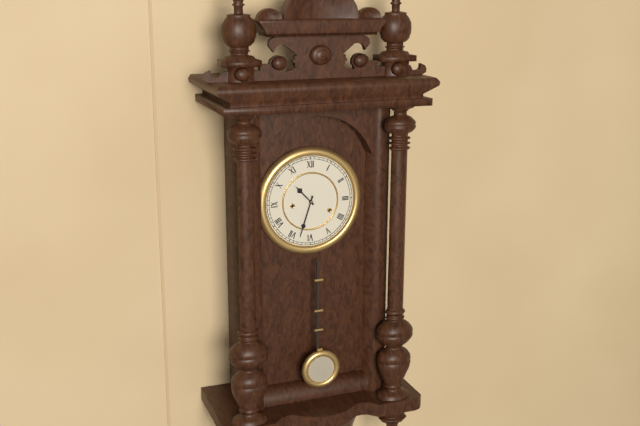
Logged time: 10,33
